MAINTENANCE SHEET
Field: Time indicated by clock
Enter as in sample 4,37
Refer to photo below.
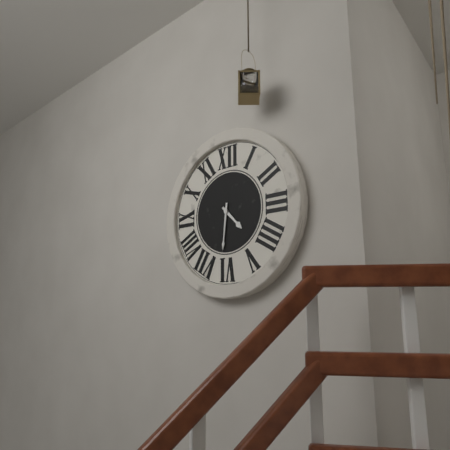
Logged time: 4,31
